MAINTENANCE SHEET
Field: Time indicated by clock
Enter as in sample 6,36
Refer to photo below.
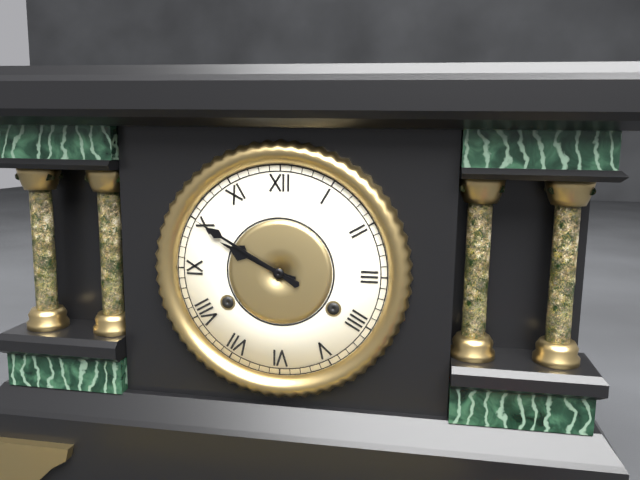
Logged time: 9,50
